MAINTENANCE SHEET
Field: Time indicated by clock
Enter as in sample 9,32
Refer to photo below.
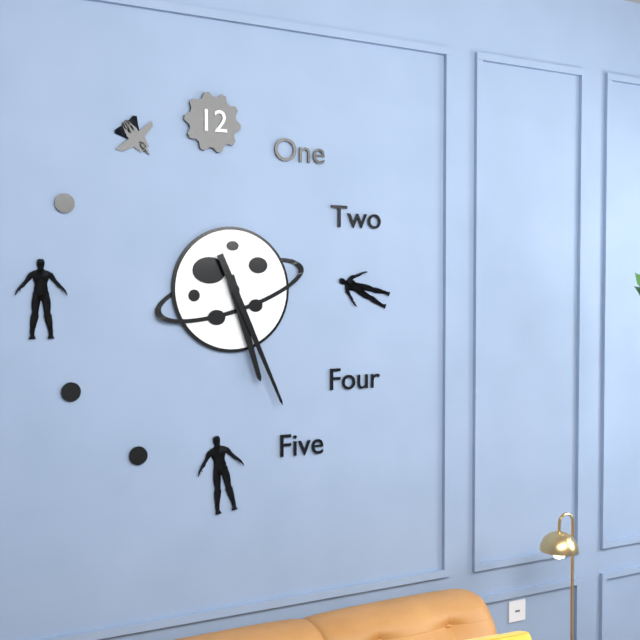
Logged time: 5,26
